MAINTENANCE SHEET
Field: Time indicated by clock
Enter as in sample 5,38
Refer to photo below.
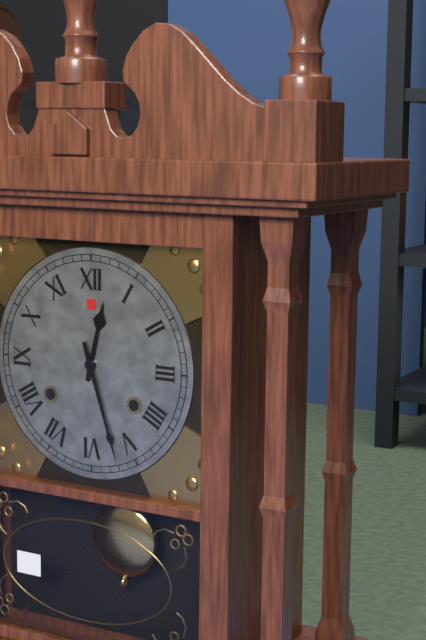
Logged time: 12,27
